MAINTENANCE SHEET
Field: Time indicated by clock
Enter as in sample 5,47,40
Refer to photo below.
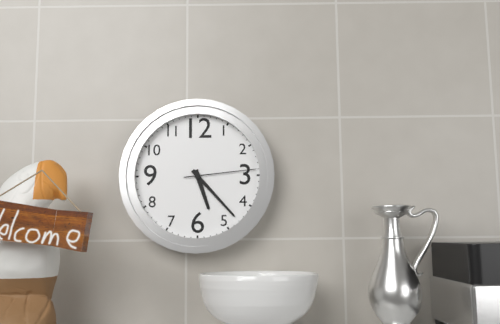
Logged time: 5,23,14
